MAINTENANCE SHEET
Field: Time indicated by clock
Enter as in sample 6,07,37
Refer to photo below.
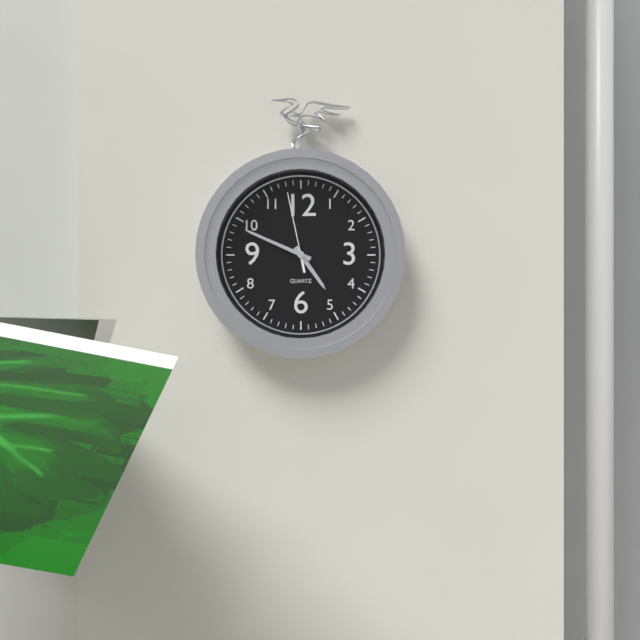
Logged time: 4,49,58
